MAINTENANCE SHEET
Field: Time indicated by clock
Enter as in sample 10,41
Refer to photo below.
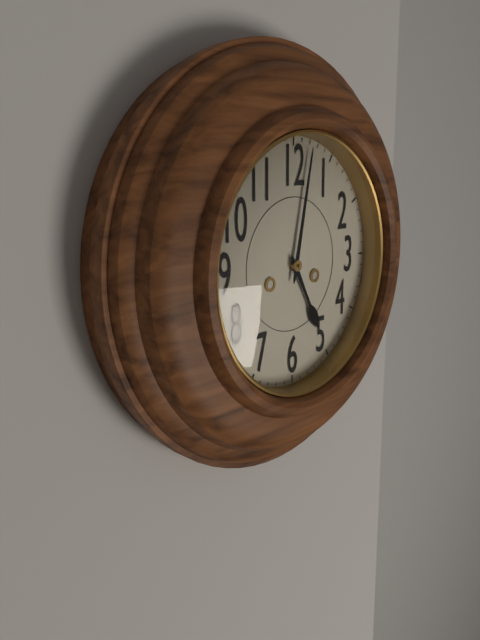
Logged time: 5,02
